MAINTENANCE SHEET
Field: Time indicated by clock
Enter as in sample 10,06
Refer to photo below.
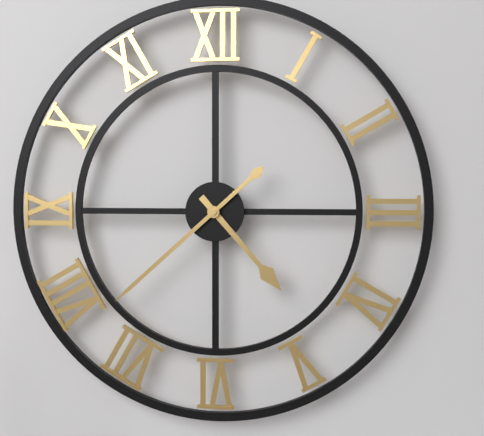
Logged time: 4,38
